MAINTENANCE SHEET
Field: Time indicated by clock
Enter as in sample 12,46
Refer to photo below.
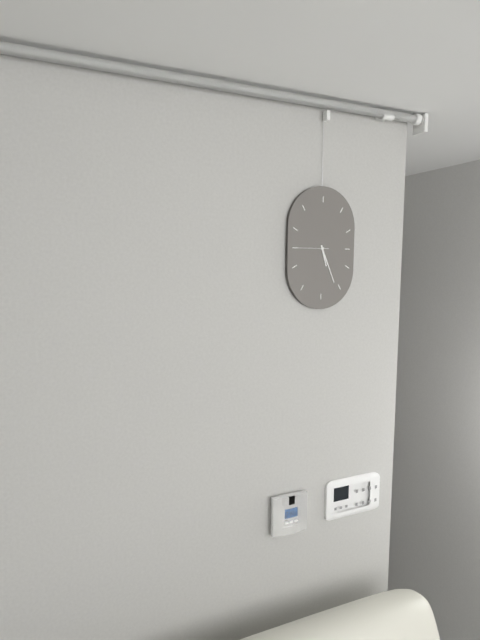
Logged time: 5,26
